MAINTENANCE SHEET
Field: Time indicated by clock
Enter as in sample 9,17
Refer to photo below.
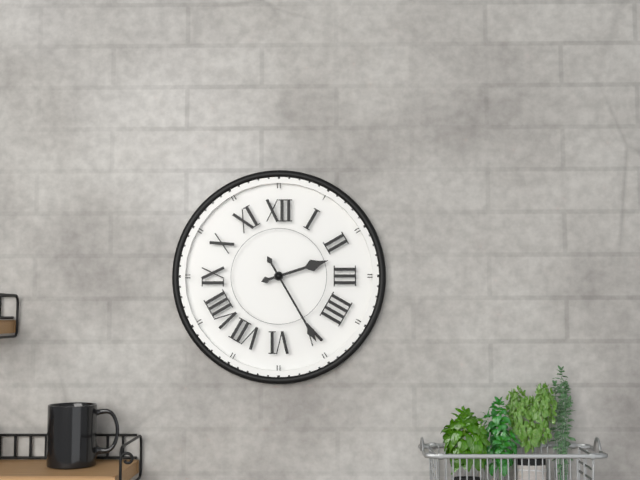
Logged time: 2,25
